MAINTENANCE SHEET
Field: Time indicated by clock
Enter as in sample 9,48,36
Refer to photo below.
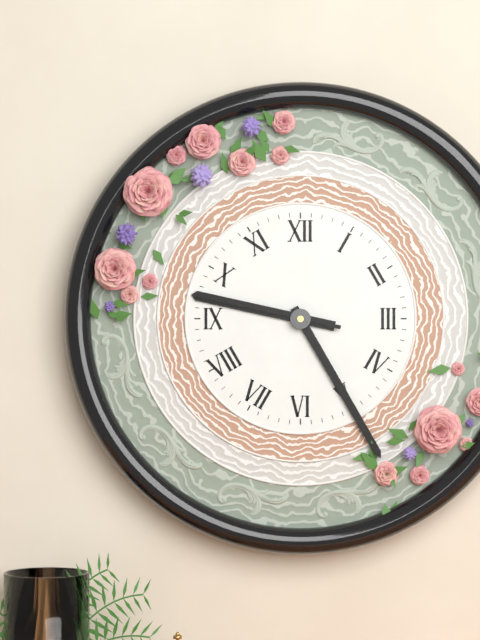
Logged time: 9,25,47
